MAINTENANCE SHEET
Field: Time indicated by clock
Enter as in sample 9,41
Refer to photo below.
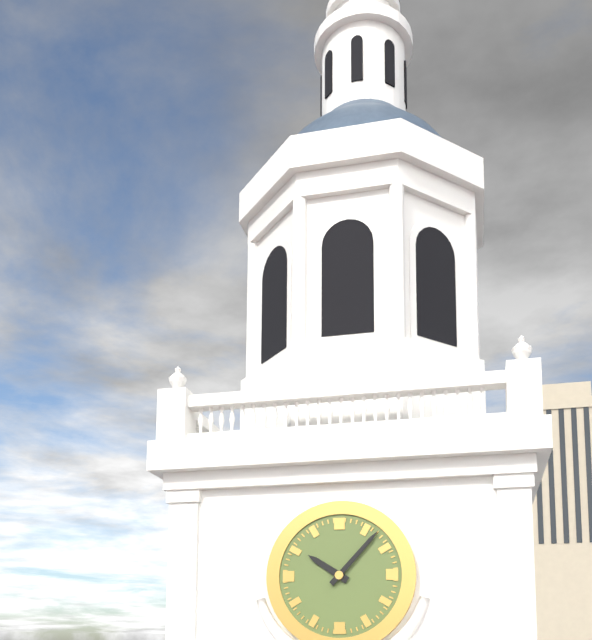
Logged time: 10,07
